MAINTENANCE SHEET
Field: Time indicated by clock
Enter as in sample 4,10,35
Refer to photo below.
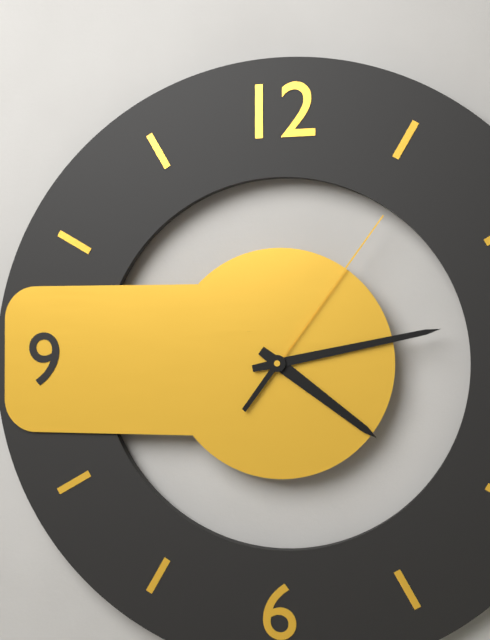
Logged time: 4,13,06
